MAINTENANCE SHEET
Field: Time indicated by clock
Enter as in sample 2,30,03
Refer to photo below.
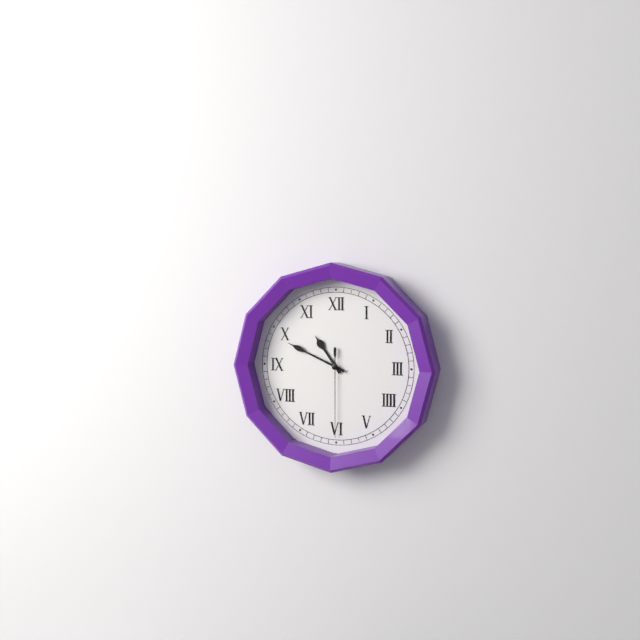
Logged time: 10,49,30
